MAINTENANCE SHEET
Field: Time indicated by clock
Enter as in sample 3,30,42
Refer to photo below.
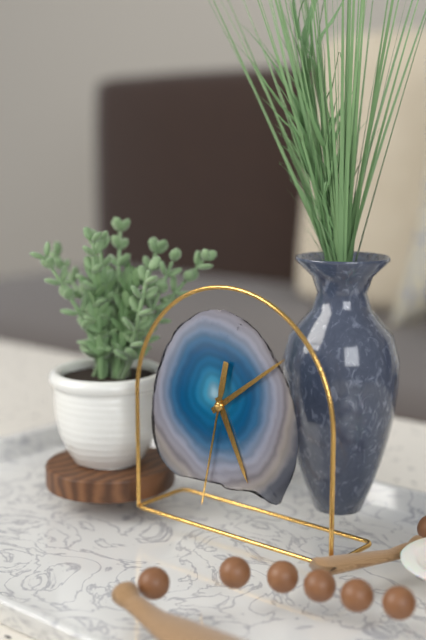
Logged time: 5,09,32
